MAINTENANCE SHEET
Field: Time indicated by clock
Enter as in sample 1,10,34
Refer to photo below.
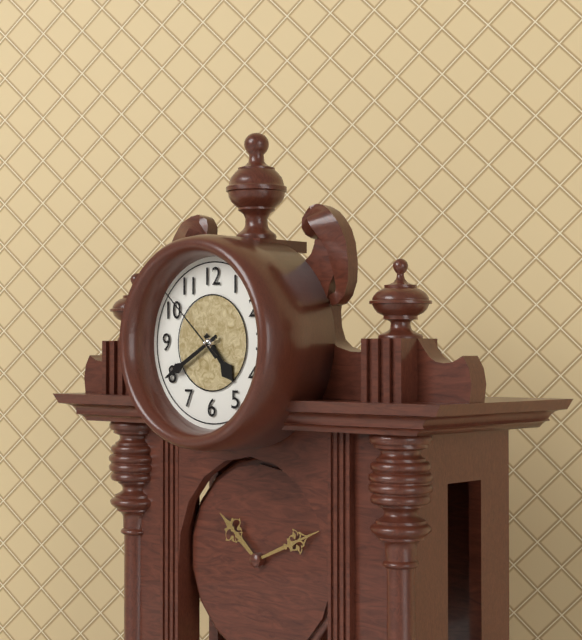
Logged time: 4,40,52
